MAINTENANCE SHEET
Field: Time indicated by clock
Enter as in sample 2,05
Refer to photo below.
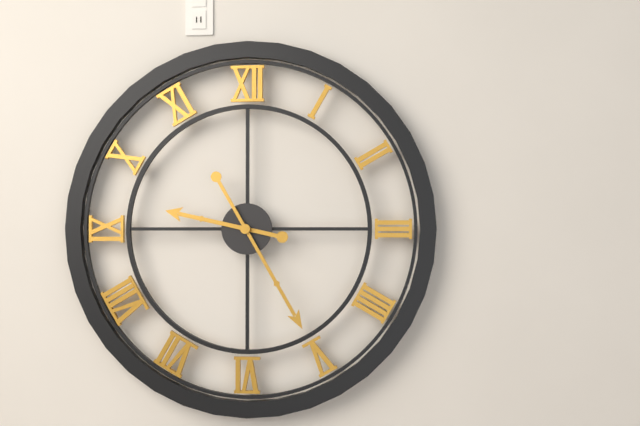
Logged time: 9,25
